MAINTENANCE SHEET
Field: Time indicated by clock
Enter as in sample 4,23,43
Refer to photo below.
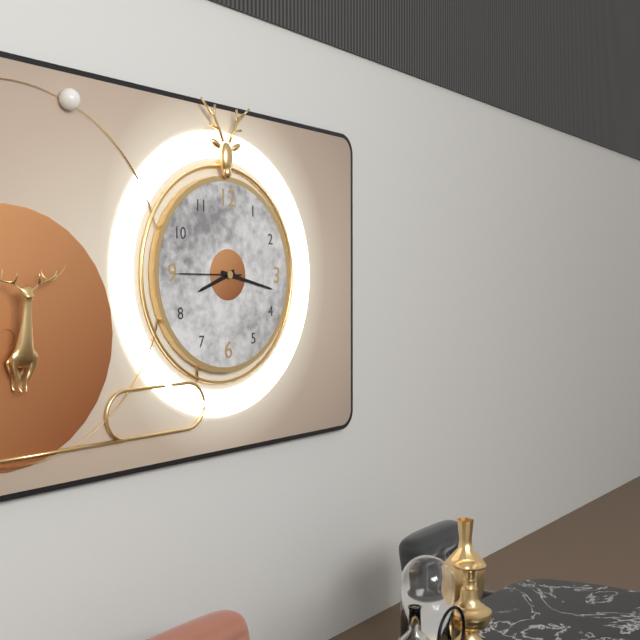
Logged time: 8,17,45
